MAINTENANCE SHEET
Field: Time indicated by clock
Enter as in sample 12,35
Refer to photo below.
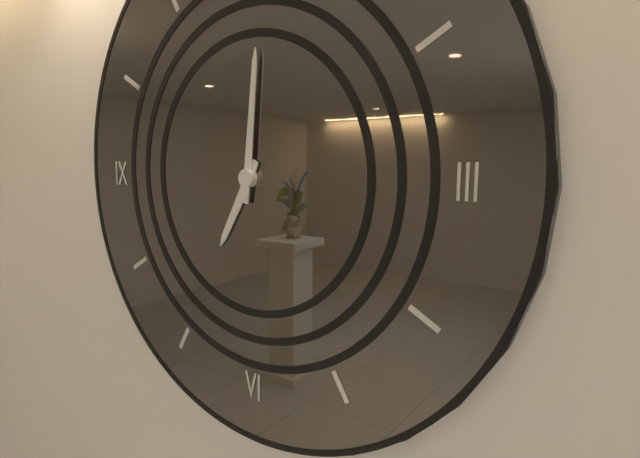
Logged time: 7,01
